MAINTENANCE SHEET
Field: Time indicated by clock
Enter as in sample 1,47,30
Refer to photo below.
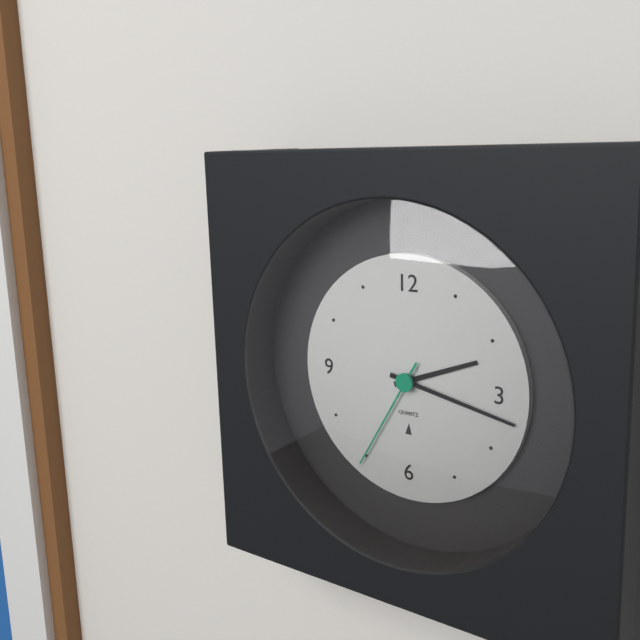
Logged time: 2,17,35
